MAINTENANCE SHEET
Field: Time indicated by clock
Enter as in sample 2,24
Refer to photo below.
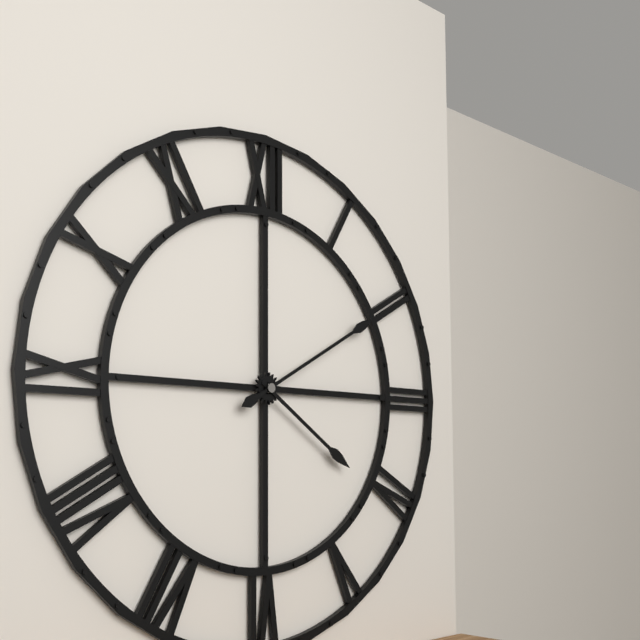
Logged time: 4,10
